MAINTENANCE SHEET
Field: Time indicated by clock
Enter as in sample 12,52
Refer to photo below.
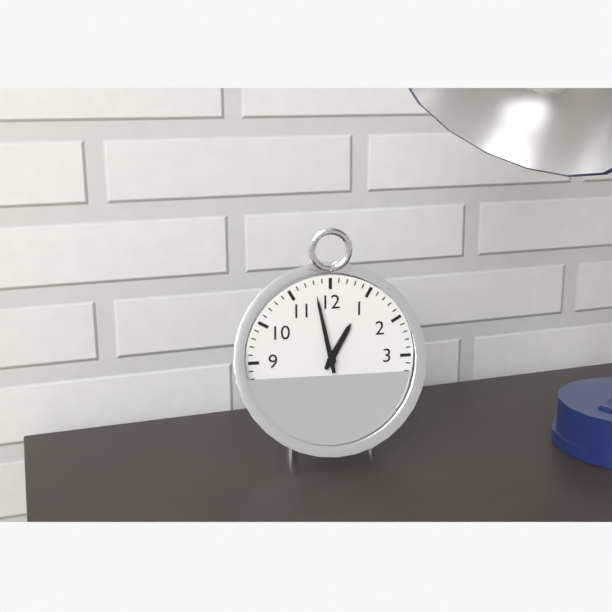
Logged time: 12,58
